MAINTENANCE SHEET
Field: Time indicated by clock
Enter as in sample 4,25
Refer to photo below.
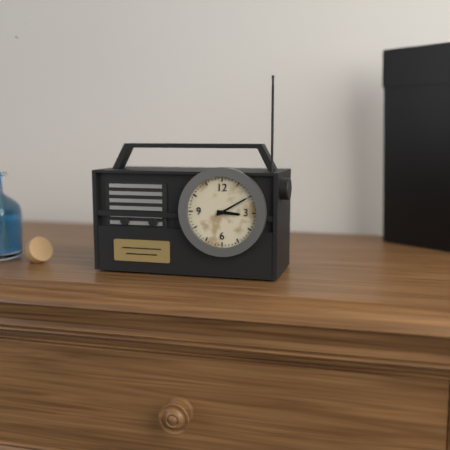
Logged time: 3,10
